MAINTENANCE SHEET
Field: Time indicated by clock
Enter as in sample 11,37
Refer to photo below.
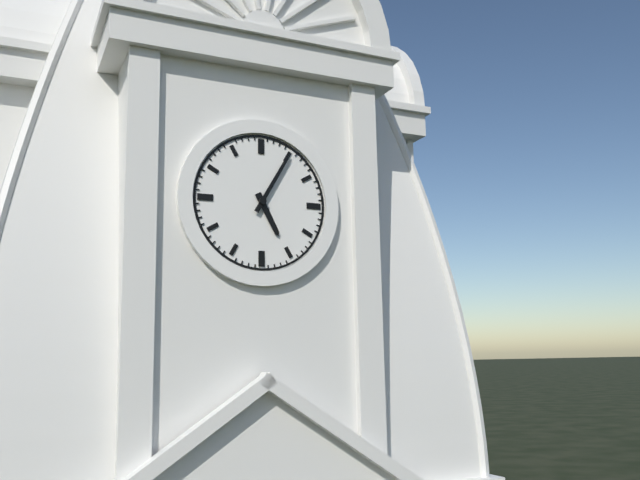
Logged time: 5,05
